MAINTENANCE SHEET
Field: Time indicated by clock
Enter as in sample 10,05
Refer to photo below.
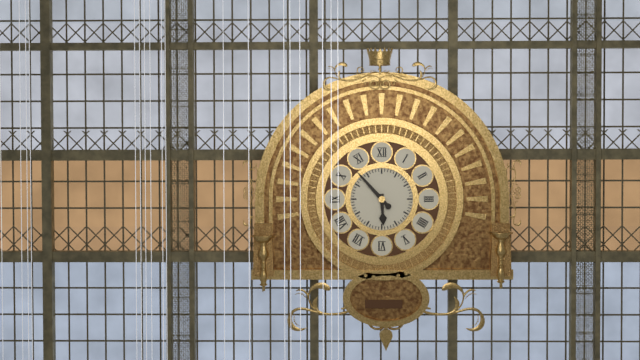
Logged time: 5,53
